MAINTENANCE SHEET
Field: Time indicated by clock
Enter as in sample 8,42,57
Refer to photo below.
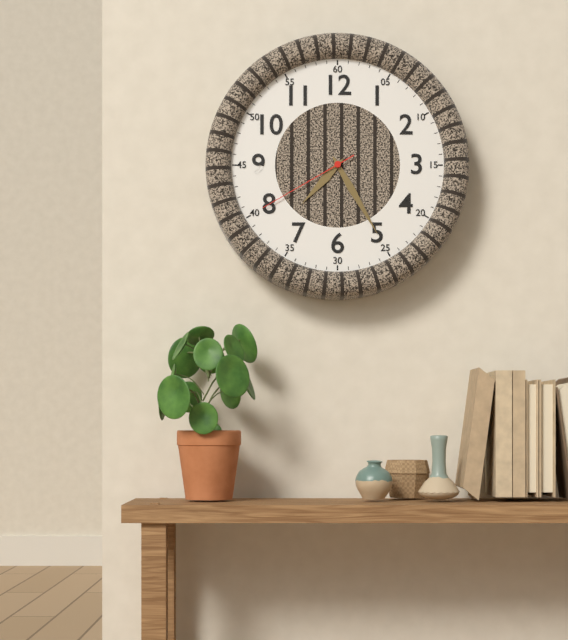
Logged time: 7,25,40
